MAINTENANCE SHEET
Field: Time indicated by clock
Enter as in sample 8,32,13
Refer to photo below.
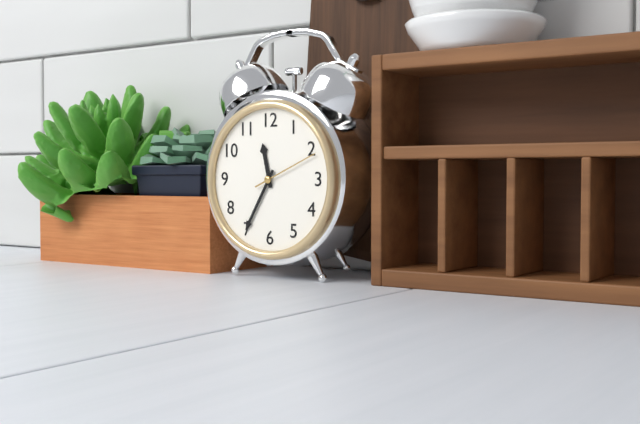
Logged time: 11,35,11
